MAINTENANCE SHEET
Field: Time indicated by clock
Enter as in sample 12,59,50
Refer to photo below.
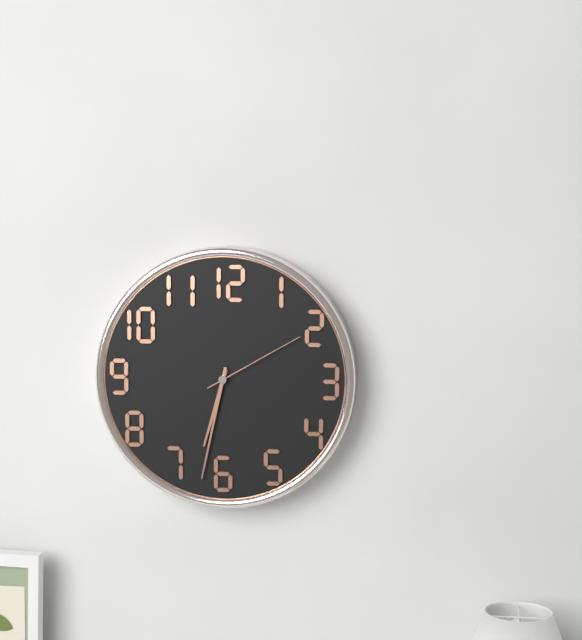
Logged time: 6,32,10
